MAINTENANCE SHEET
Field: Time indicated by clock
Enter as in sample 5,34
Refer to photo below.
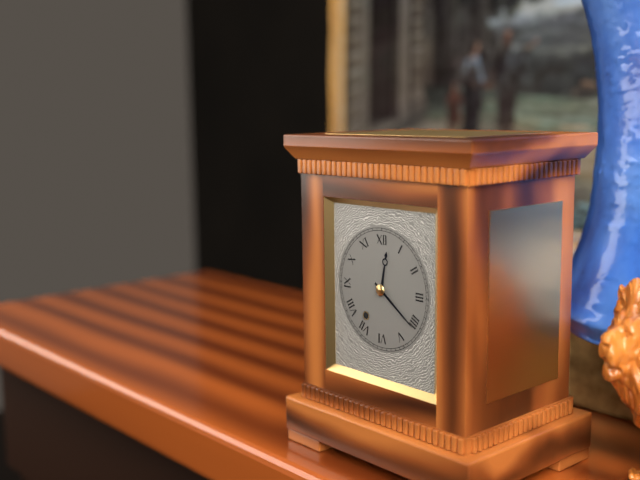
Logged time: 12,21
